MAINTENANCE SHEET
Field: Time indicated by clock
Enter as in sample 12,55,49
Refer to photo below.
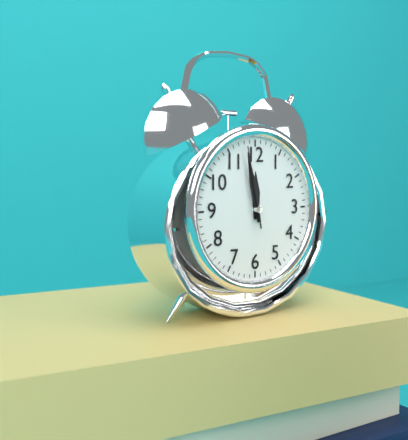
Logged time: 11,58,58
